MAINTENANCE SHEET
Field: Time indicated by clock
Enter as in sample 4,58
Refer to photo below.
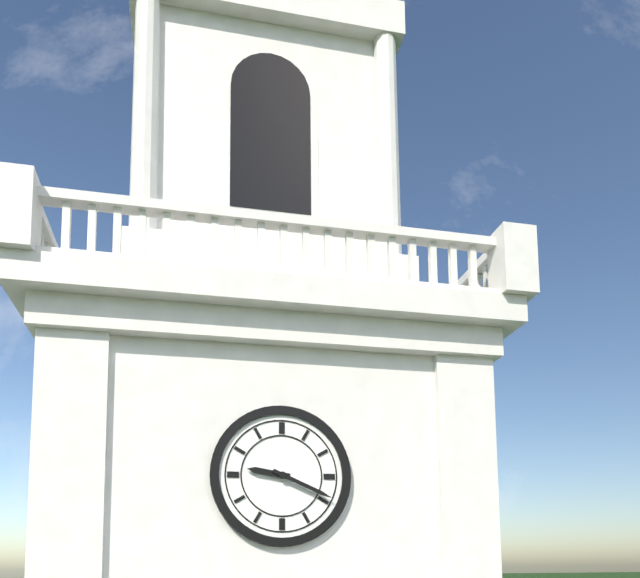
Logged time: 9,19
